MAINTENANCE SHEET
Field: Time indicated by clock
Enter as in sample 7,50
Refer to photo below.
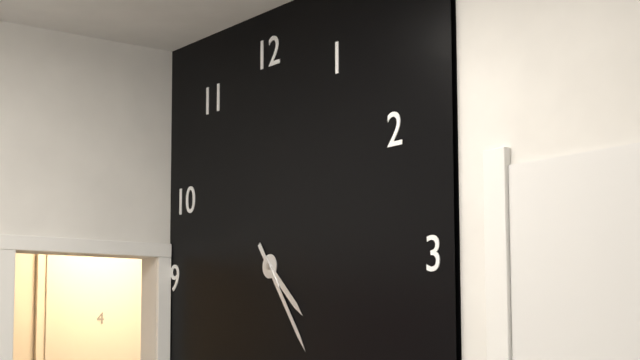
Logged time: 4,24
